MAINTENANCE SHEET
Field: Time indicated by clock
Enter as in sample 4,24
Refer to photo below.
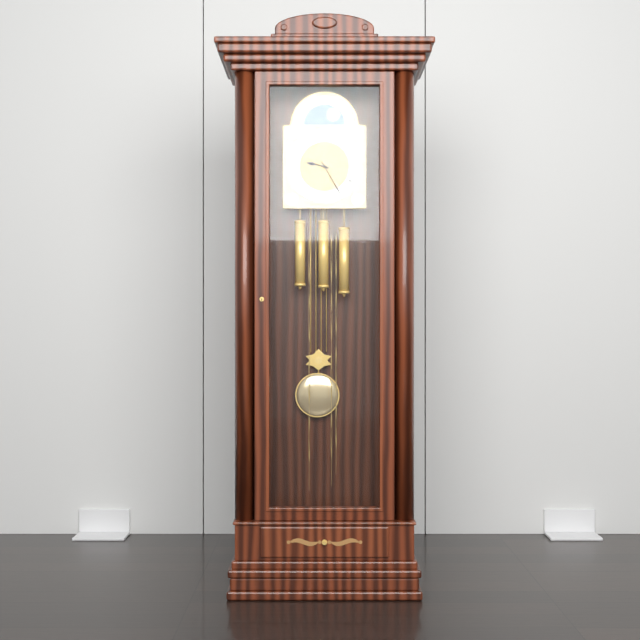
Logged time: 9,25
